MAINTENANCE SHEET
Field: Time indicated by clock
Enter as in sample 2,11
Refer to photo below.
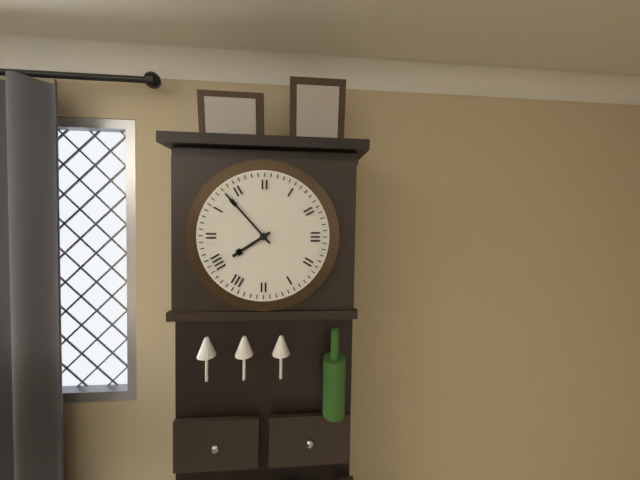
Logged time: 7,53
